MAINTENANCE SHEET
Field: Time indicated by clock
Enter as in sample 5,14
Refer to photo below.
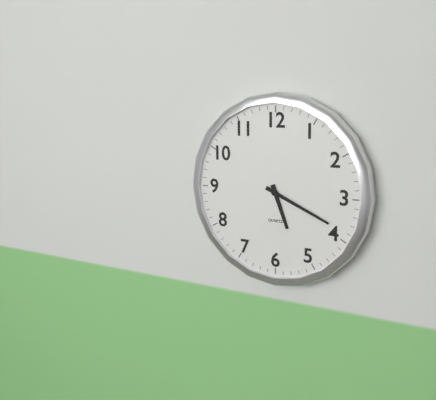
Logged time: 5,19
